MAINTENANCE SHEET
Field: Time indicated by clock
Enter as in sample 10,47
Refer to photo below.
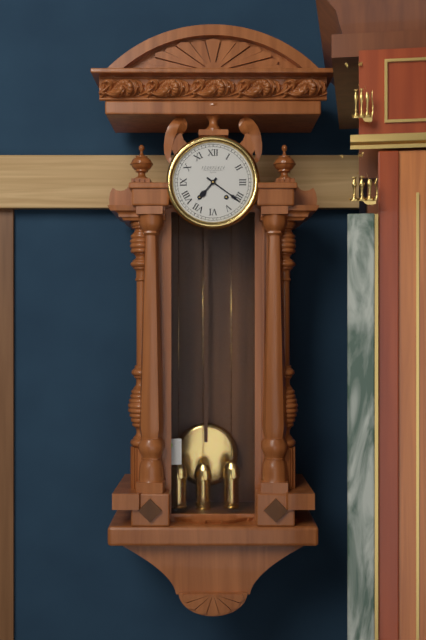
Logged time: 7,21
